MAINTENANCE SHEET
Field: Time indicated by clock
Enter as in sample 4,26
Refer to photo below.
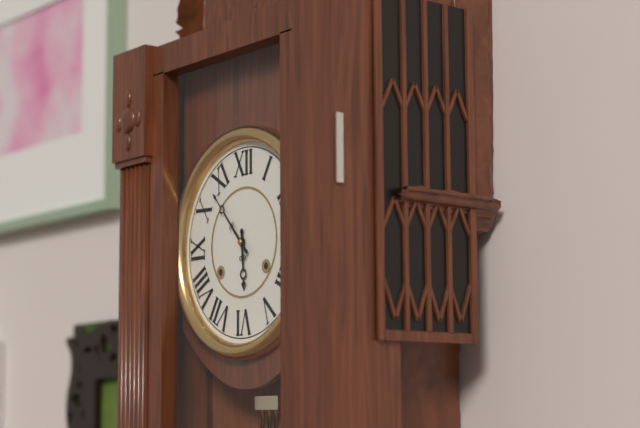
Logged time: 5,53
